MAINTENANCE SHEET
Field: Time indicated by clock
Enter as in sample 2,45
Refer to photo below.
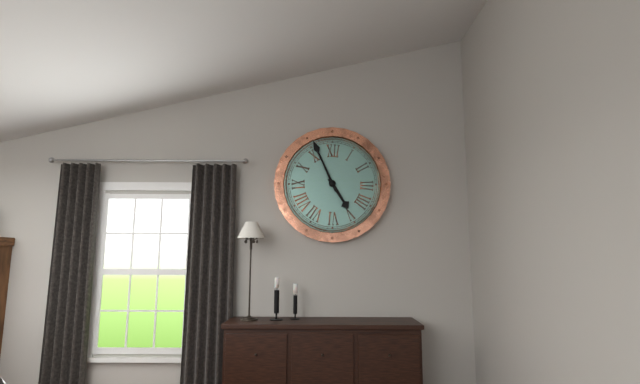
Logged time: 4,56
